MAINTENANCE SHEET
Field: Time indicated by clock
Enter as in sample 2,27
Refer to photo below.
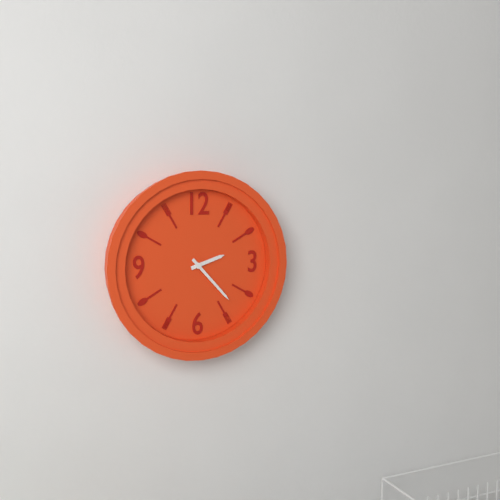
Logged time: 2,23
